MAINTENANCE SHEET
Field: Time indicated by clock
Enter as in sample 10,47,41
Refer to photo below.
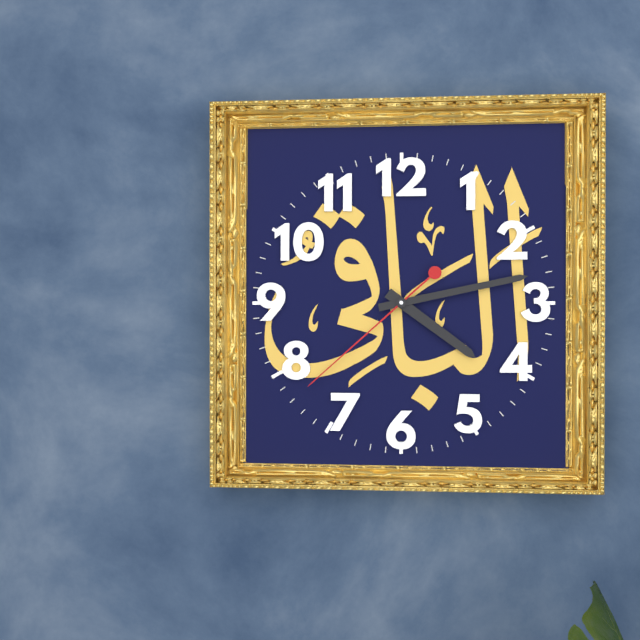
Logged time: 4,13,38
